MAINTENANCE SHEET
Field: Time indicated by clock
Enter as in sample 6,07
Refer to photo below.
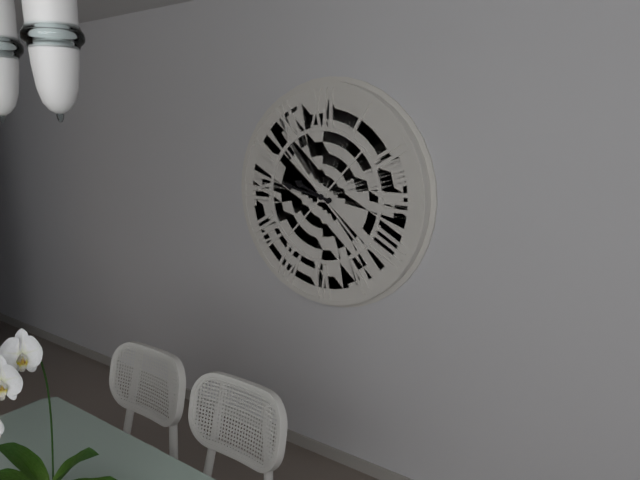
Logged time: 9,47
